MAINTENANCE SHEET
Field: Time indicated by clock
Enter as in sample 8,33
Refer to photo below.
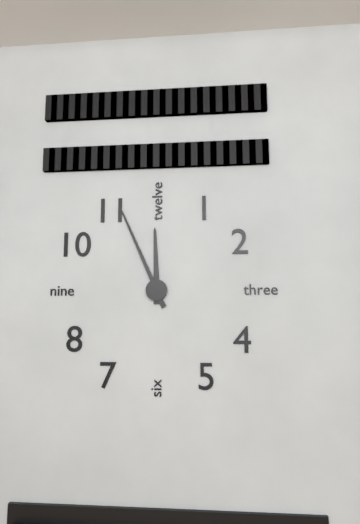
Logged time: 11,56
